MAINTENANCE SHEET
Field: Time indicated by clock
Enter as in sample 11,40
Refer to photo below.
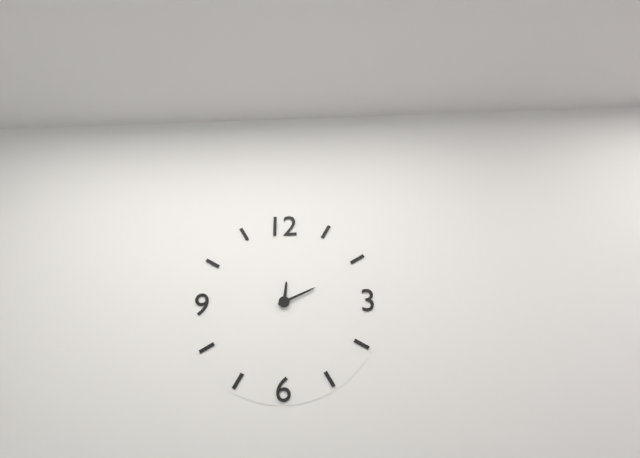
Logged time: 12,11
